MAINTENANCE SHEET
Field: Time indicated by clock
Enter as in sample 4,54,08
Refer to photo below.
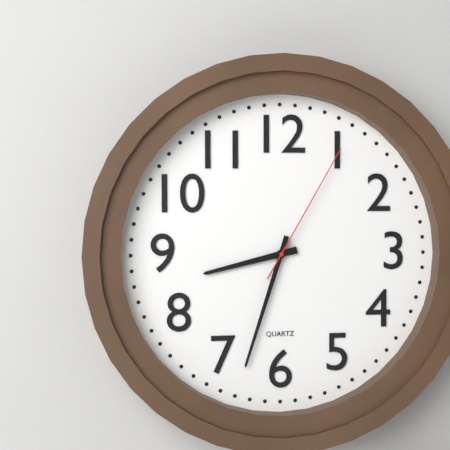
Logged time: 8,33,05
